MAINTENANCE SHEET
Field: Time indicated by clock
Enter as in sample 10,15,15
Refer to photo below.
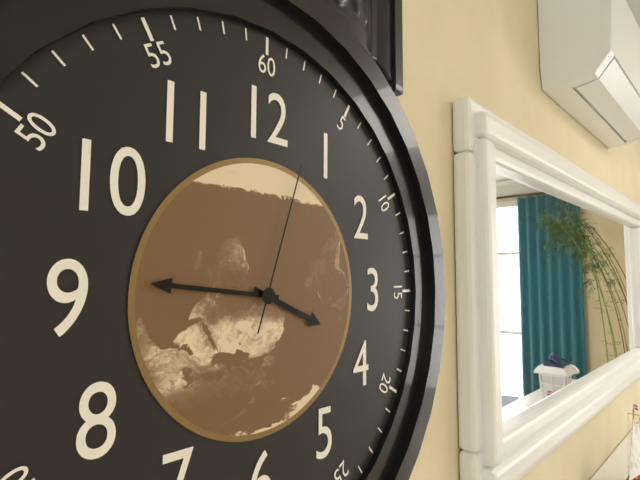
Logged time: 3,46,03
